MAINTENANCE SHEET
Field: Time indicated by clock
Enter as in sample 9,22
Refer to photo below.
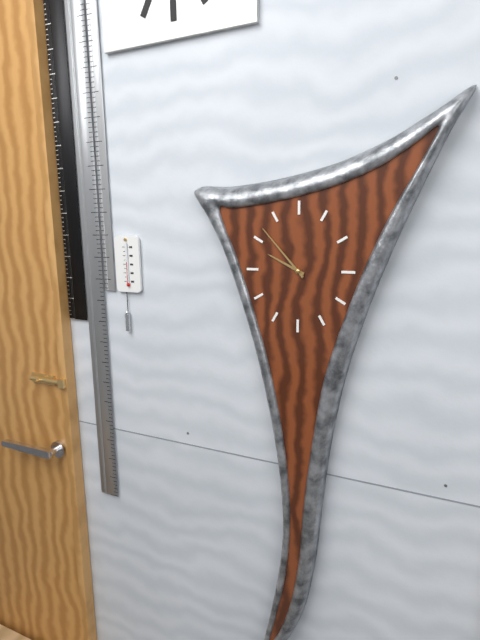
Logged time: 9,53
